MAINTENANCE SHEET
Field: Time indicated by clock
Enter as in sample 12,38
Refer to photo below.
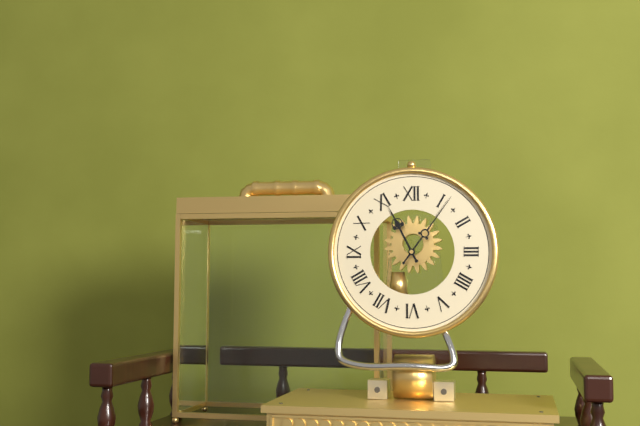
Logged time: 11,06
